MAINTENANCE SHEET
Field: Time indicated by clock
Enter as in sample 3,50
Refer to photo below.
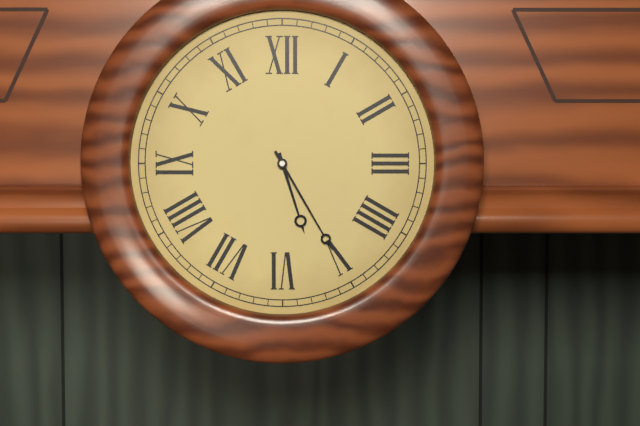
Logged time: 5,25
